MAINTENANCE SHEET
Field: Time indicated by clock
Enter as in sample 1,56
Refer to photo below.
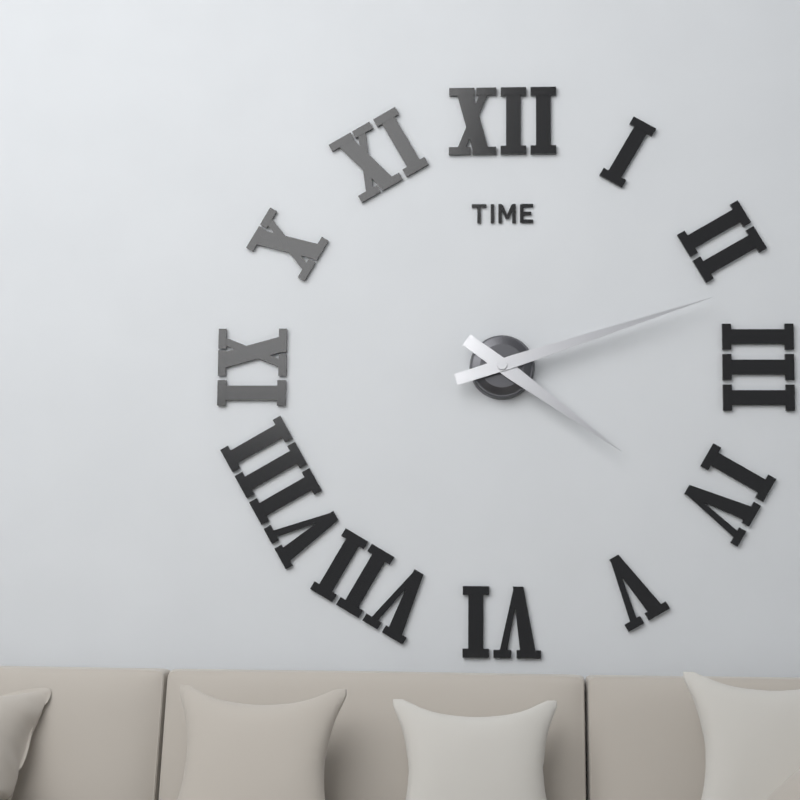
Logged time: 4,12
